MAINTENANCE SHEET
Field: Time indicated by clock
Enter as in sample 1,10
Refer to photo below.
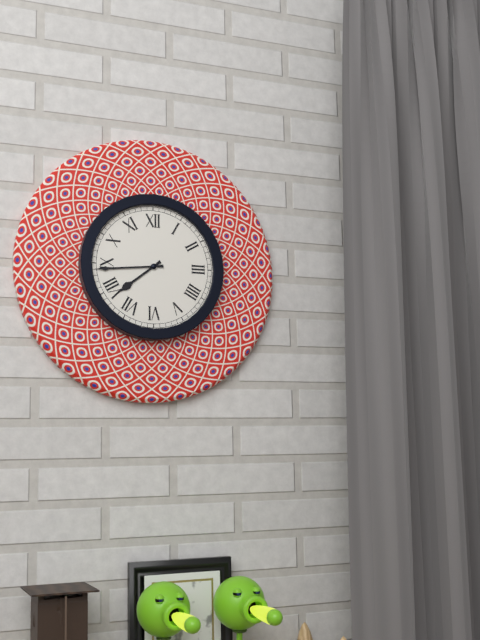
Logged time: 7,44
